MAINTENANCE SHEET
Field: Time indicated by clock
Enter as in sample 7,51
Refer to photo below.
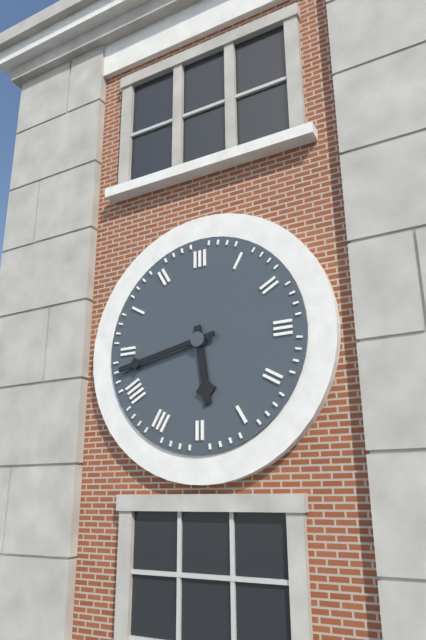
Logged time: 5,43
